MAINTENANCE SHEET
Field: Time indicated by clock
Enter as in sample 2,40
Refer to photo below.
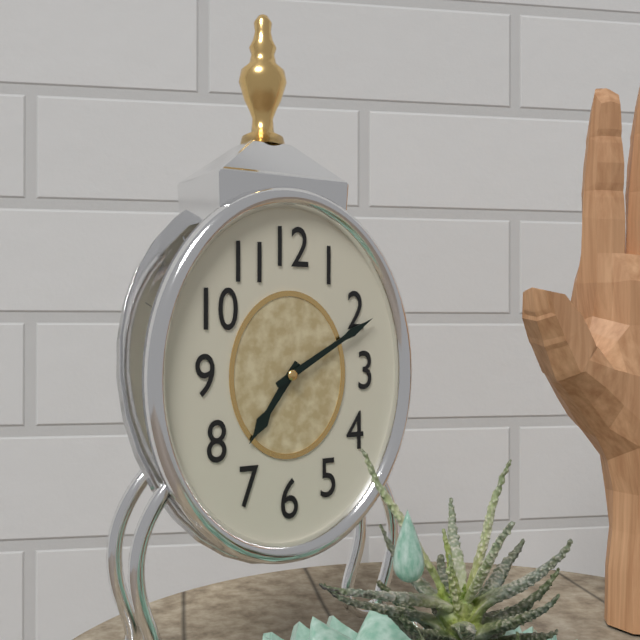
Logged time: 7,10
